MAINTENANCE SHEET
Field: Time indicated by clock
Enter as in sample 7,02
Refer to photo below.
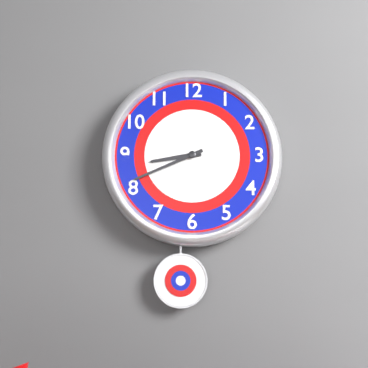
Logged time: 8,41
